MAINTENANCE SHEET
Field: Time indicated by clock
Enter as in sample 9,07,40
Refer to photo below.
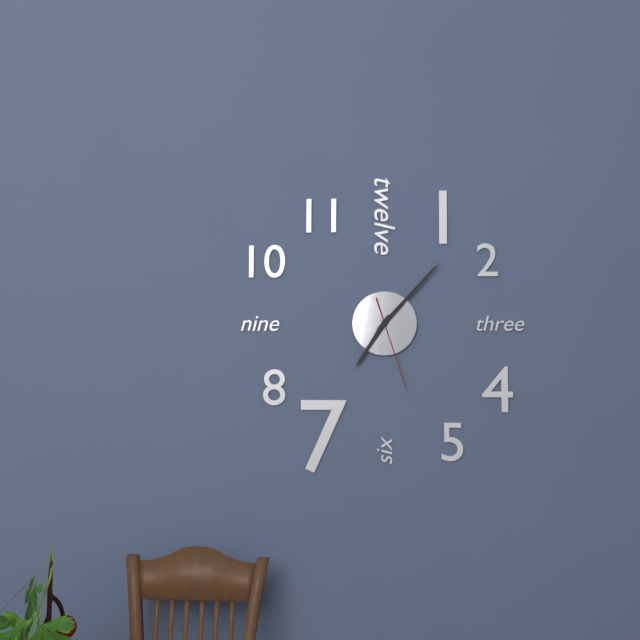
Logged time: 7,07,27
